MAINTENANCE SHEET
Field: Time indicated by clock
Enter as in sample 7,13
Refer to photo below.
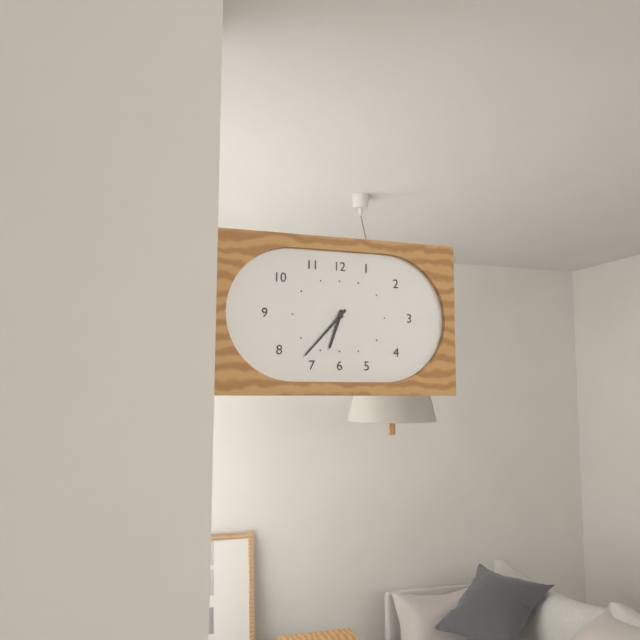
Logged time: 6,37
